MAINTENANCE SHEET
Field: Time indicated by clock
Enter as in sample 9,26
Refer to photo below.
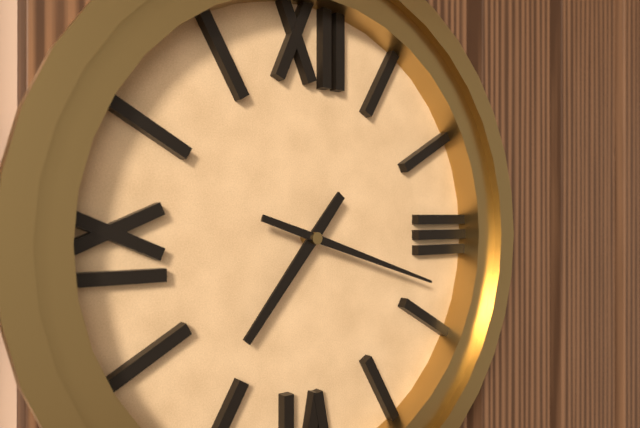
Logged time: 7,18
